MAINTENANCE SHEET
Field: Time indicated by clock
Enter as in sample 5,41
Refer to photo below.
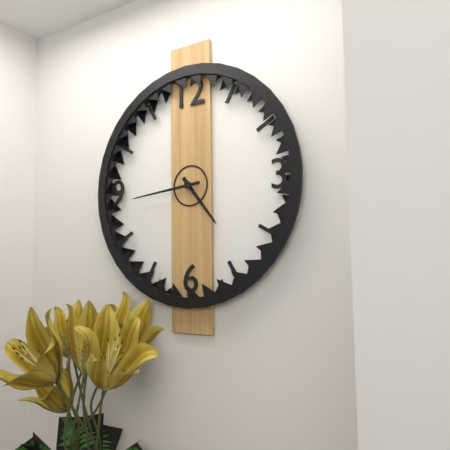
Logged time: 4,44
